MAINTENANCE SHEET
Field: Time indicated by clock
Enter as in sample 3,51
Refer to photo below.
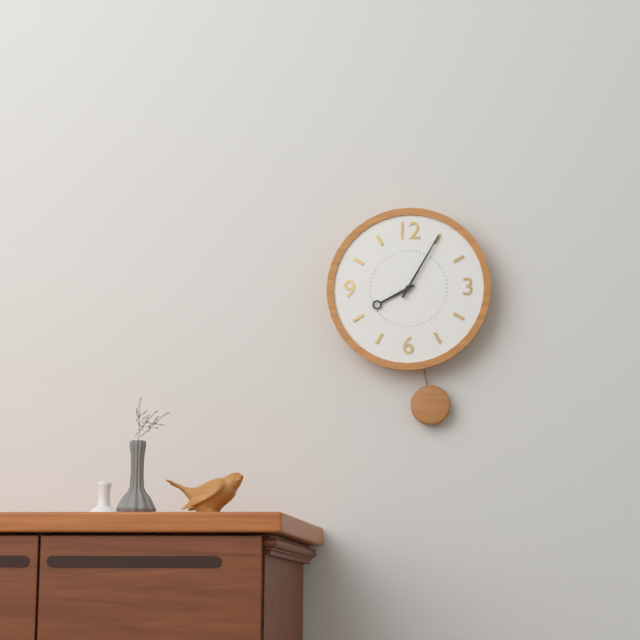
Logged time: 8,05
